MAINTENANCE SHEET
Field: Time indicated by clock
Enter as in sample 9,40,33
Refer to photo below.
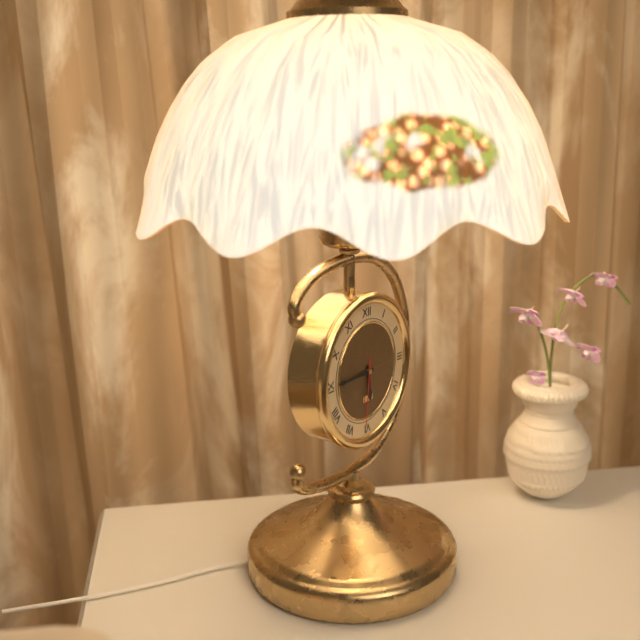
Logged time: 5,45,31
